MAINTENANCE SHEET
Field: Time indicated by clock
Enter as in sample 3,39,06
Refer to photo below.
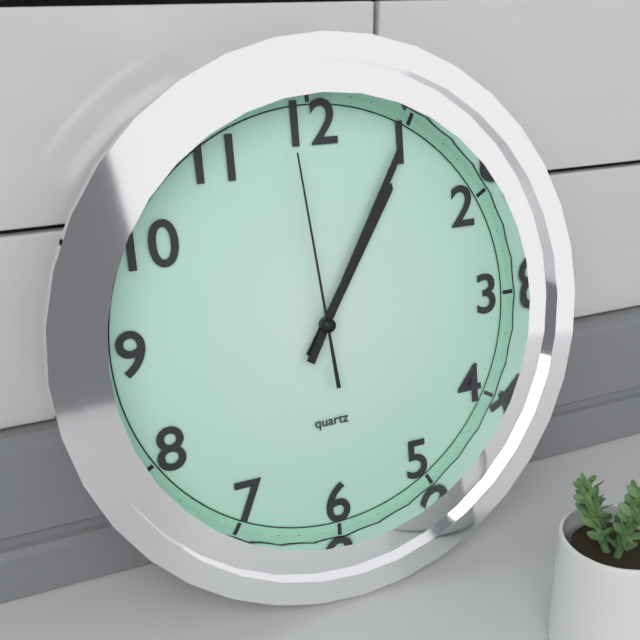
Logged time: 1,05,59
